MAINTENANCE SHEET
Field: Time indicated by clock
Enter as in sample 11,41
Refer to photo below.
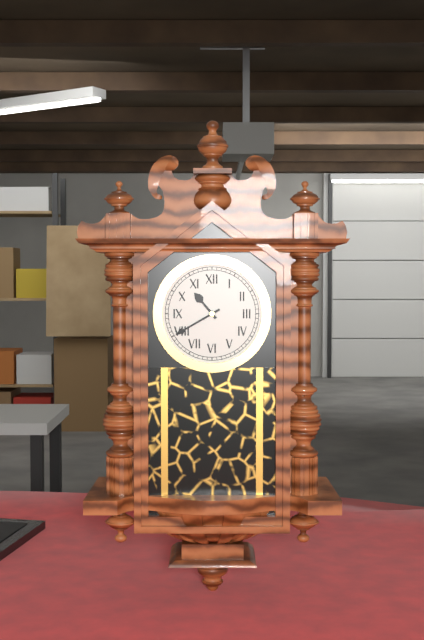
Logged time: 10,40
